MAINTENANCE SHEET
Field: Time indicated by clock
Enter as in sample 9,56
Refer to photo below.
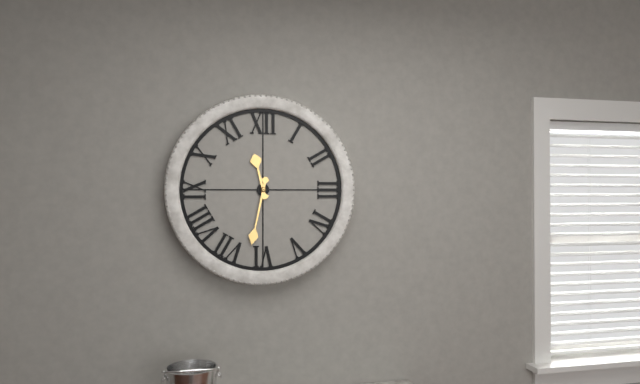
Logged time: 11,32
